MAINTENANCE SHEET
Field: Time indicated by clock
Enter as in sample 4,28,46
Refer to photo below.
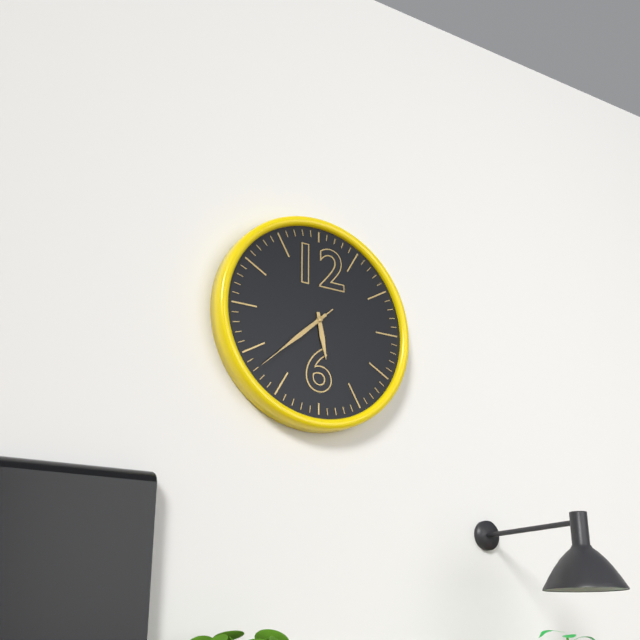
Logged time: 5,38,38
